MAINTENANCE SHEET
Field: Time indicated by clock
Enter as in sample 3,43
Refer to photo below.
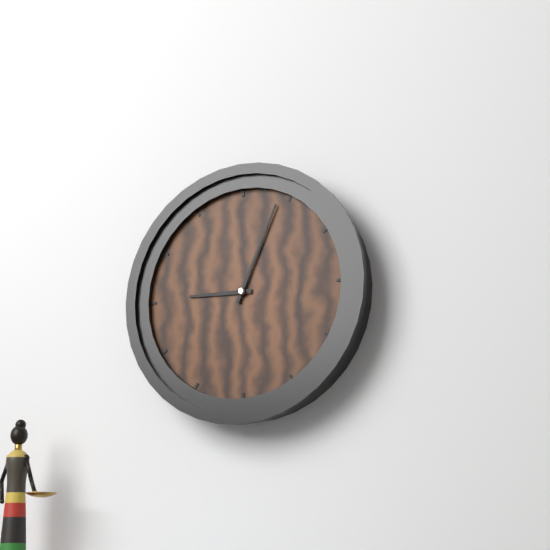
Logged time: 9,04
